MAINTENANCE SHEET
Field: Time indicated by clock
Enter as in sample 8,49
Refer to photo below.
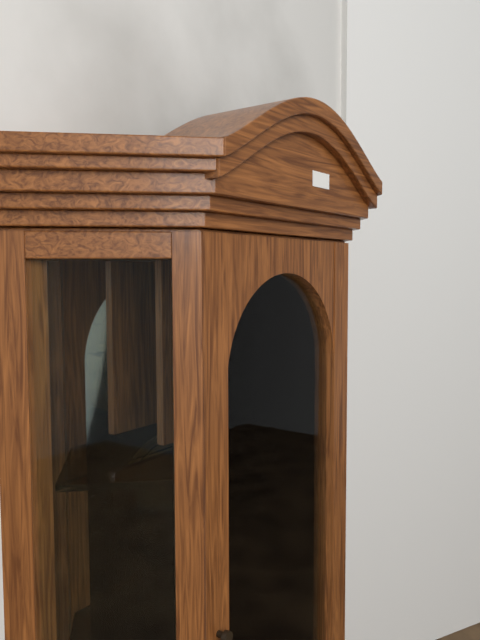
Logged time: 6,44
